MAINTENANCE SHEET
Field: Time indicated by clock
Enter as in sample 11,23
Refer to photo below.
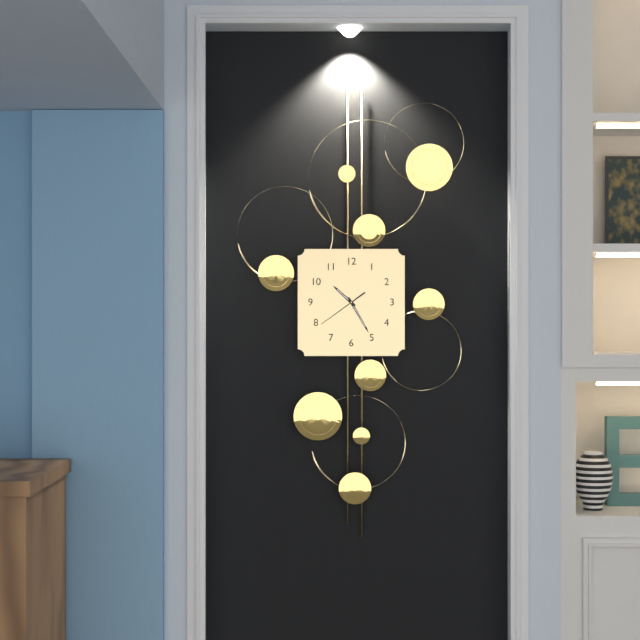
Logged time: 10,25
